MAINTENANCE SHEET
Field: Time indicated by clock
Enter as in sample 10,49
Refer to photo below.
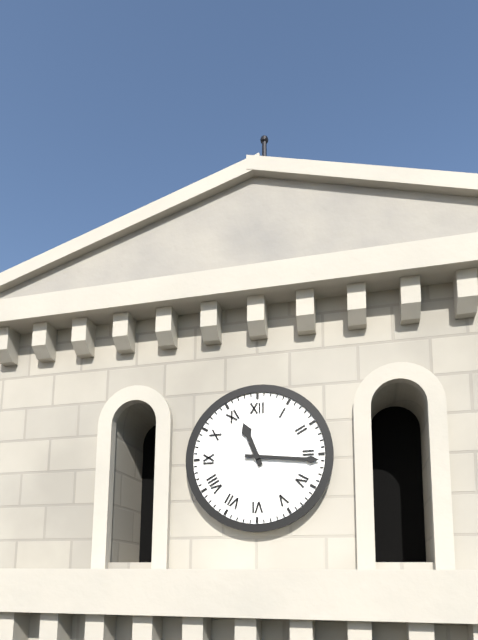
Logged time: 11,16
